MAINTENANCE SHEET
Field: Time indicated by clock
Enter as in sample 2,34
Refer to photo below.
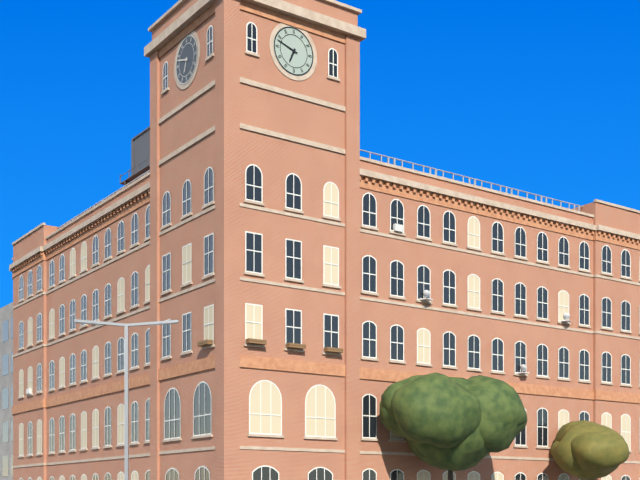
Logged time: 6,48
